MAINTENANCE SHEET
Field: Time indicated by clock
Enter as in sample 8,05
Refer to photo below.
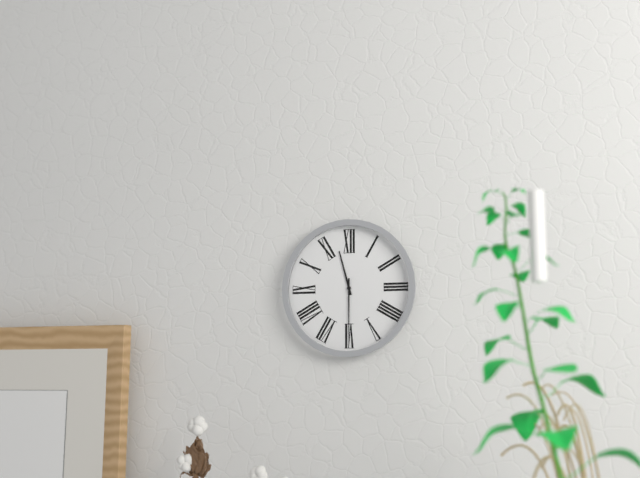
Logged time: 11,30
